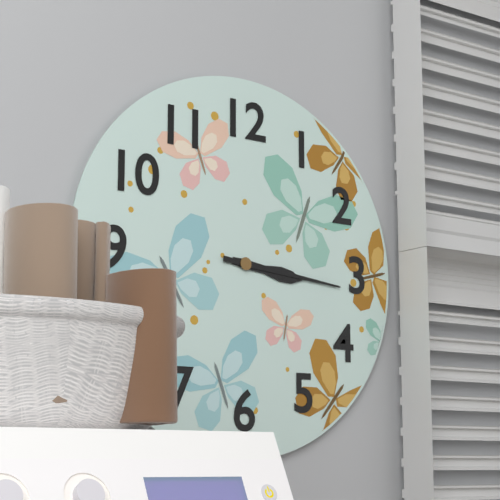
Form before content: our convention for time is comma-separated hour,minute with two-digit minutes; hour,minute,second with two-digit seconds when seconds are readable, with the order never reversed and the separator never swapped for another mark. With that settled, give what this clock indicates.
3,16
